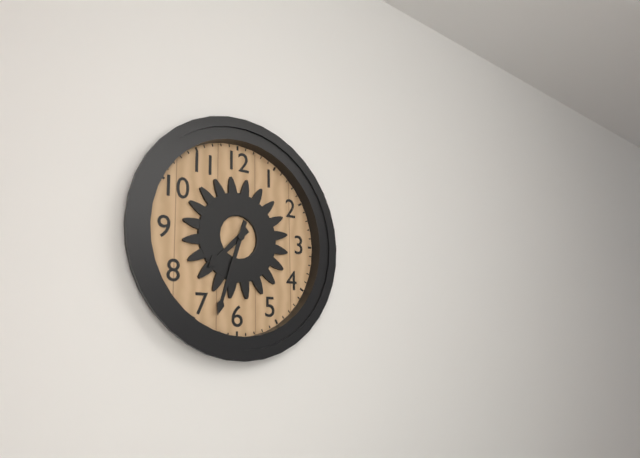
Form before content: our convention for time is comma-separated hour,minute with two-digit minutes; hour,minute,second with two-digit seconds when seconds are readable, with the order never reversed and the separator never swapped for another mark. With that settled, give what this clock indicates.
7,33
